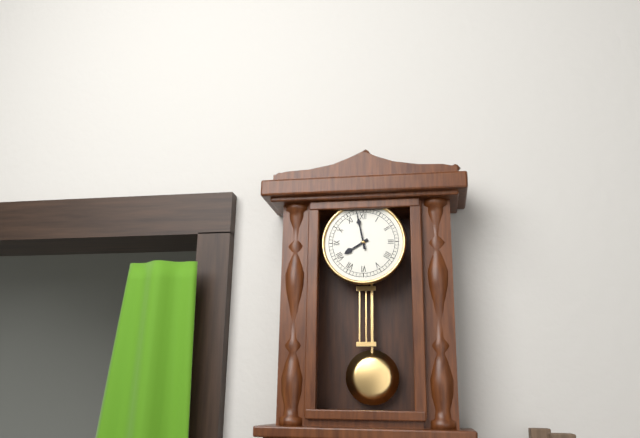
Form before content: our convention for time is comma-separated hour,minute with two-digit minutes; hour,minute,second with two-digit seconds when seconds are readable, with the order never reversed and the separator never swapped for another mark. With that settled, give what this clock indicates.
7,58
